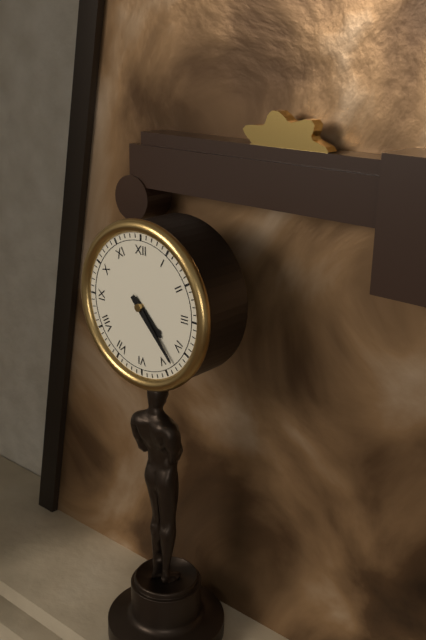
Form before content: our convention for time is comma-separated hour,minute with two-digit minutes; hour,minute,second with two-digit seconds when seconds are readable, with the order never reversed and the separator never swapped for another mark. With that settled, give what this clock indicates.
4,23
